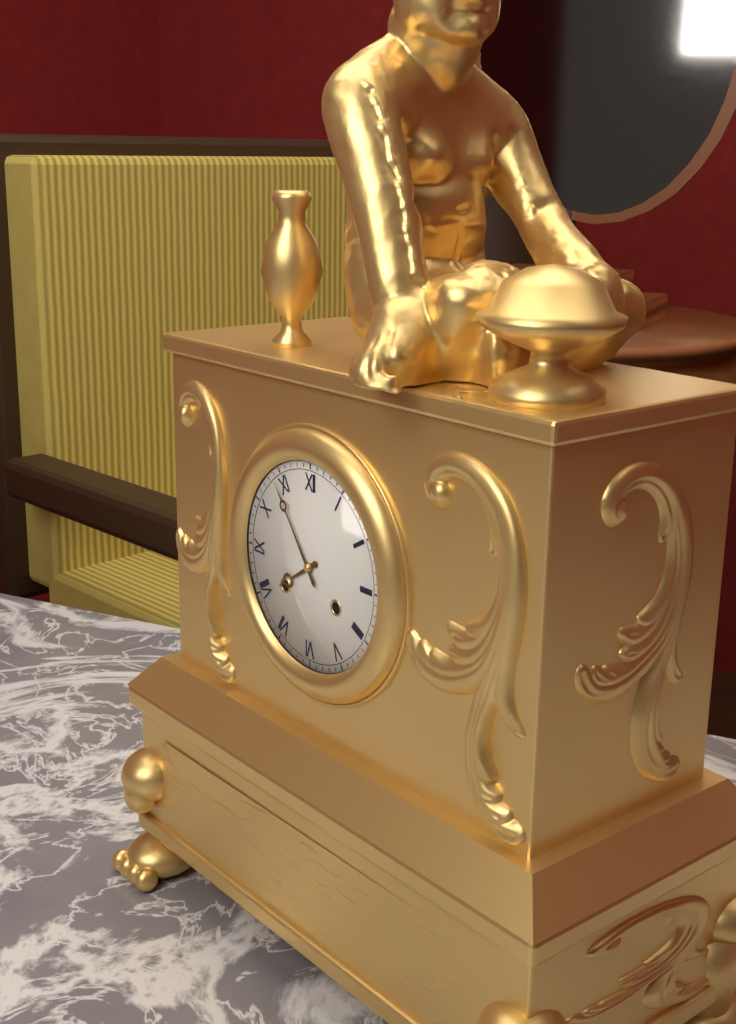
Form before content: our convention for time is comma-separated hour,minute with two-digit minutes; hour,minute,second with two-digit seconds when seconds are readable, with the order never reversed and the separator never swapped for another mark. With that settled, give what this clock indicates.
7,54
